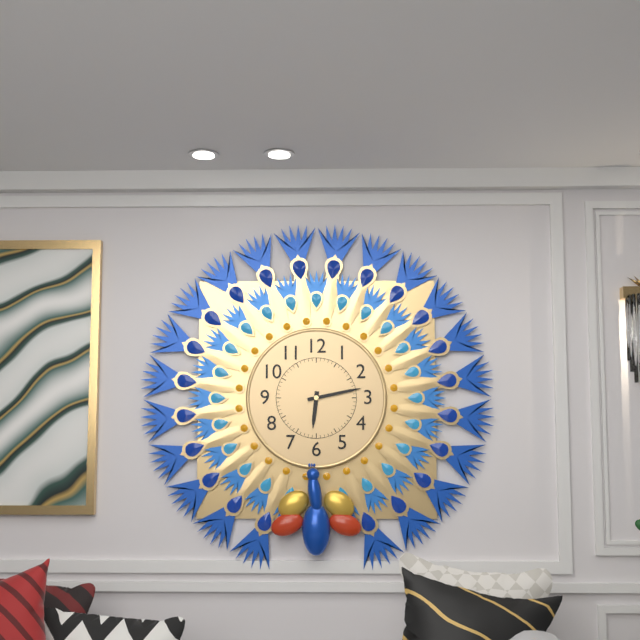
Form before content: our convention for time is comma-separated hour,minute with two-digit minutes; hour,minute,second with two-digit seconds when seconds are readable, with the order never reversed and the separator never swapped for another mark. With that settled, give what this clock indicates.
6,13
